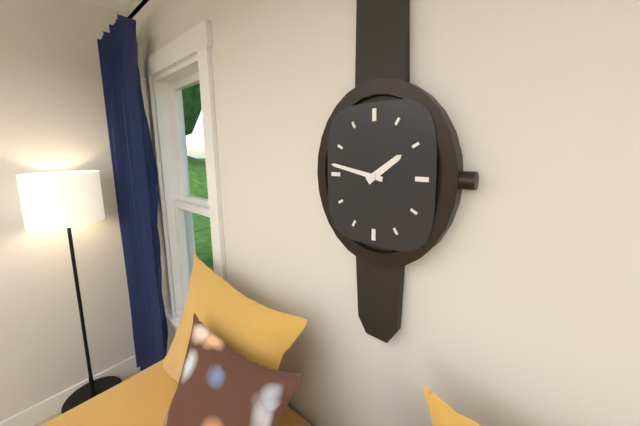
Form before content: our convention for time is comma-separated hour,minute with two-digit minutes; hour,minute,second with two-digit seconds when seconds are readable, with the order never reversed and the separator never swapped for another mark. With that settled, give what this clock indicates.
1,47
